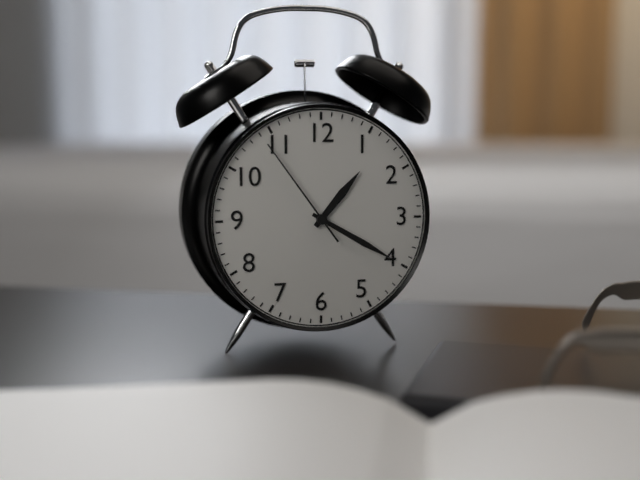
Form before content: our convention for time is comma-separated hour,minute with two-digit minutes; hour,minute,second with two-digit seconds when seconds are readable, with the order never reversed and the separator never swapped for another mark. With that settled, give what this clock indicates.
1,20,54
